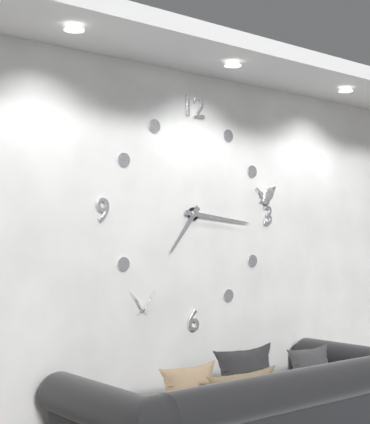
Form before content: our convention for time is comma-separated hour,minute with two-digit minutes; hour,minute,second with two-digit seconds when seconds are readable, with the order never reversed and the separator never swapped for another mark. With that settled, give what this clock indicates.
7,16
